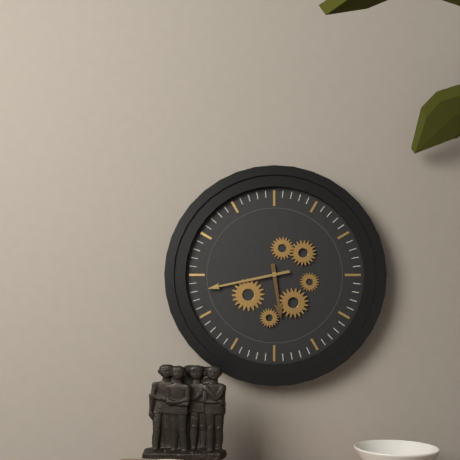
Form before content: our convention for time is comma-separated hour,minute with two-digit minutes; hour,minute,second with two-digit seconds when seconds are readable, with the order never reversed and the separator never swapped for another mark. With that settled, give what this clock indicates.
5,43
